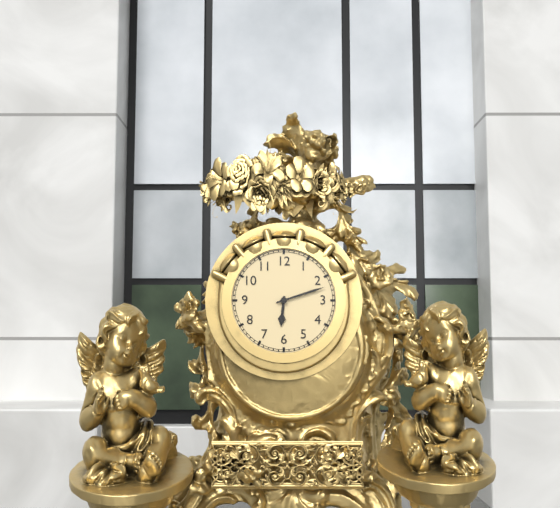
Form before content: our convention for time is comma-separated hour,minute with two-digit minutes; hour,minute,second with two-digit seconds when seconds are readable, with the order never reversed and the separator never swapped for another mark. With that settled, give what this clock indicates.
6,12
